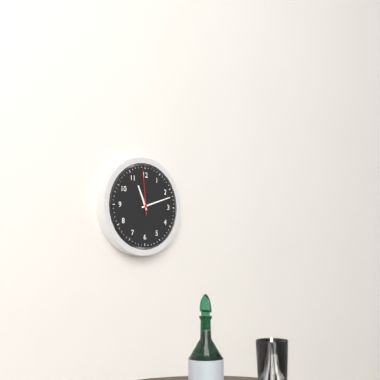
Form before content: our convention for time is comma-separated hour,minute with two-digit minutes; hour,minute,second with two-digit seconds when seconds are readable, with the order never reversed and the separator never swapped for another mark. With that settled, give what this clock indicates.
11,12
